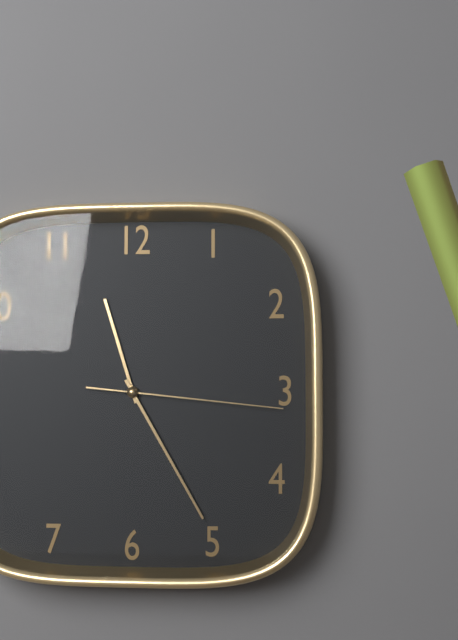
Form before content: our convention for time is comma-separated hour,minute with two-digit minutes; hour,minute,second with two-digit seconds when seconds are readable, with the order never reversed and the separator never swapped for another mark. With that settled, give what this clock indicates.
11,25,16
